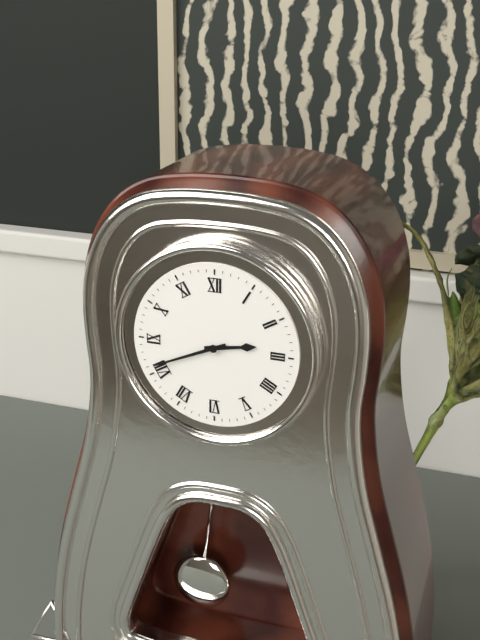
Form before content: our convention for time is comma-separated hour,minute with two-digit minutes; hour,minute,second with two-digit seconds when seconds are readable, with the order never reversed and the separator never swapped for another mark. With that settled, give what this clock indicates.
2,41
